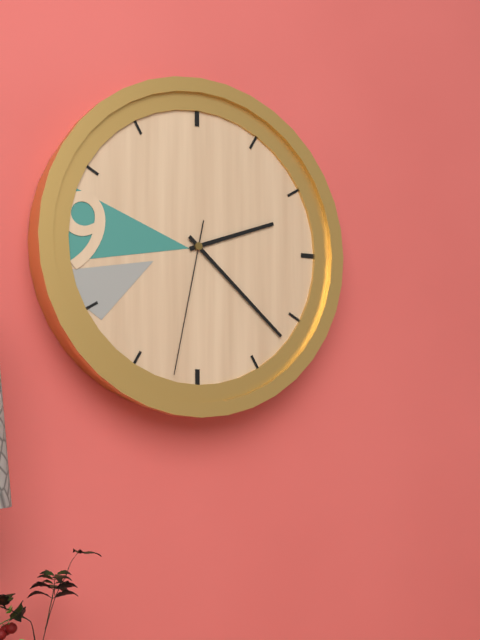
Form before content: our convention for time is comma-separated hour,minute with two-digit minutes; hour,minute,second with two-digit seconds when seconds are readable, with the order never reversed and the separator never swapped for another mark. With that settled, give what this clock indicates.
2,22,32
